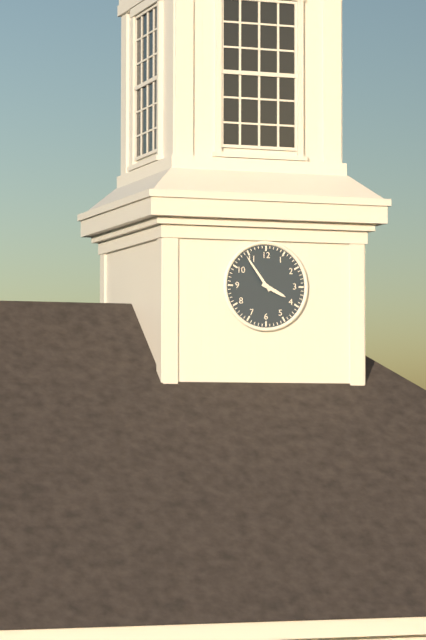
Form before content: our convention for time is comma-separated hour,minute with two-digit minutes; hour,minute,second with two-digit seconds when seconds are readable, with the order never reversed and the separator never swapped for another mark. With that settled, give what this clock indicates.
3,54
